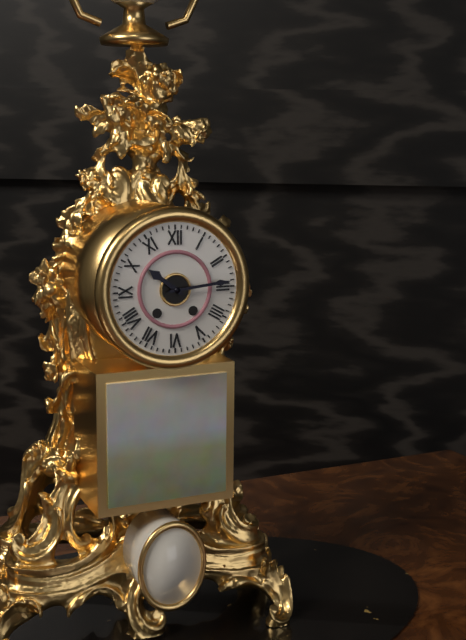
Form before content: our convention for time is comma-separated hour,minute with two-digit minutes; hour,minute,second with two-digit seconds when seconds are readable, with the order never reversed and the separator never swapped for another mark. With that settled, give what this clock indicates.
10,14
